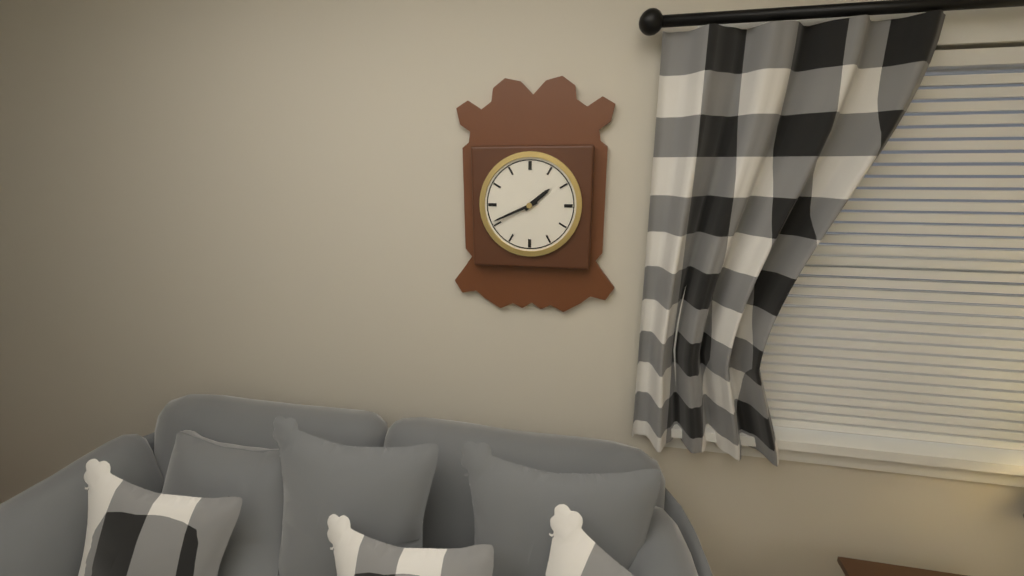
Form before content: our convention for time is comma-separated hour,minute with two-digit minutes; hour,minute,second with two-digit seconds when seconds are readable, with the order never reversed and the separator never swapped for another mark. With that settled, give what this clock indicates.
1,41
